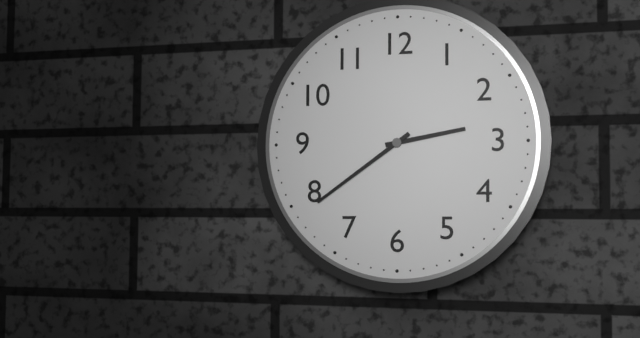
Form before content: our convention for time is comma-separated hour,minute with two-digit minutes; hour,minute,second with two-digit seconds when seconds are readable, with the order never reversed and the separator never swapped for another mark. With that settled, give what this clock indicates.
2,39
